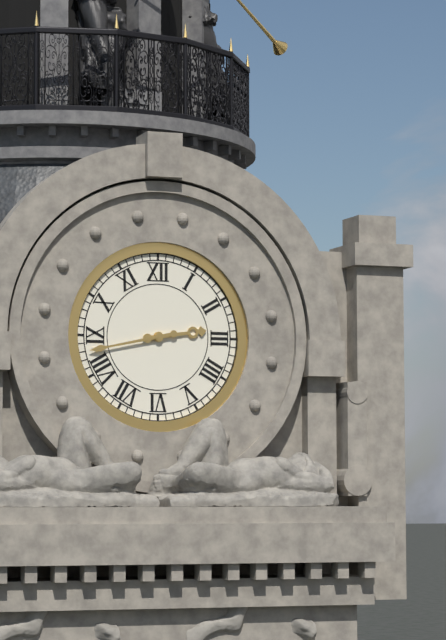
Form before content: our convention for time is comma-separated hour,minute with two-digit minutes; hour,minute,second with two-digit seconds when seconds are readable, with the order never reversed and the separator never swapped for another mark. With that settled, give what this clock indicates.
2,43
